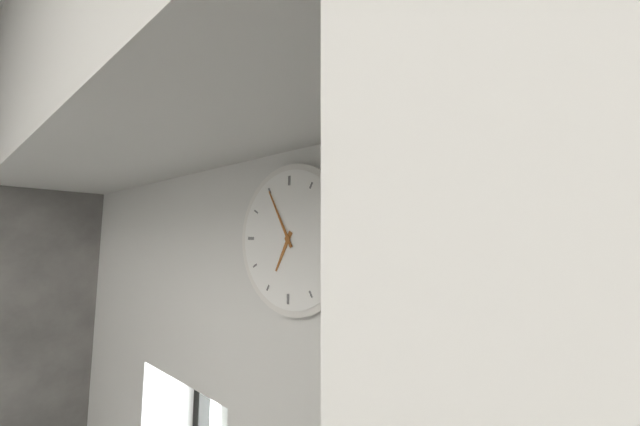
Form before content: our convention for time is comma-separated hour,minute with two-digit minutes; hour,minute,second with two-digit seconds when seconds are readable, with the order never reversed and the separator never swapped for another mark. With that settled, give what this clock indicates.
6,55
